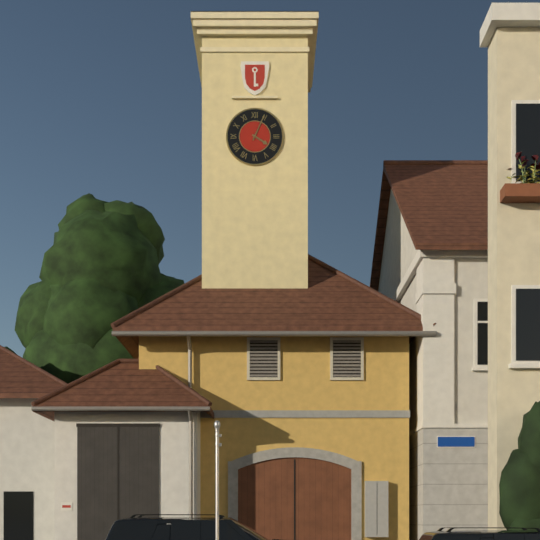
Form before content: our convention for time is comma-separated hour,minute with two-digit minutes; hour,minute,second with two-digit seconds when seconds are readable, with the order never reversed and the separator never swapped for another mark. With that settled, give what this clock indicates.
4,04
